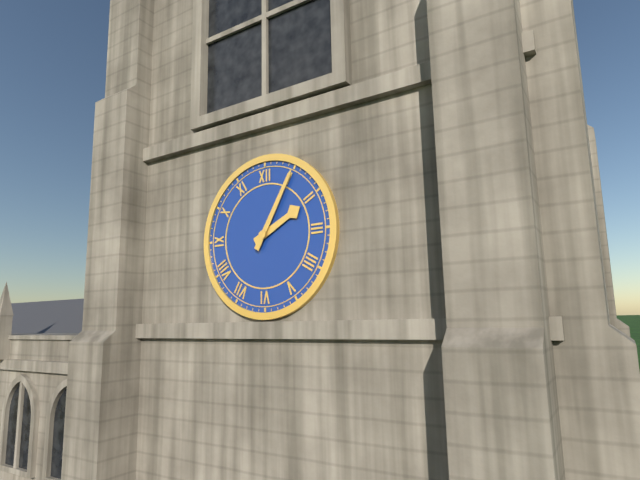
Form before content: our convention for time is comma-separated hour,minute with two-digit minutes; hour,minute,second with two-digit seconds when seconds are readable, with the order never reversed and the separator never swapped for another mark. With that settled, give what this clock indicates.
2,05
